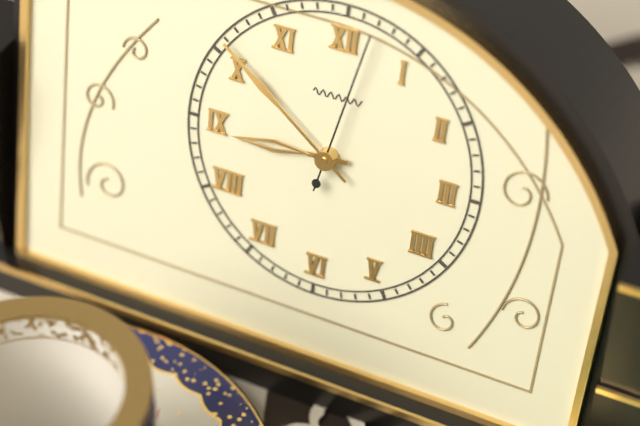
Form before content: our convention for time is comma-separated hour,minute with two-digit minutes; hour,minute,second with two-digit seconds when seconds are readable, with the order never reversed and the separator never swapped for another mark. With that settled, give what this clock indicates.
8,51,02
